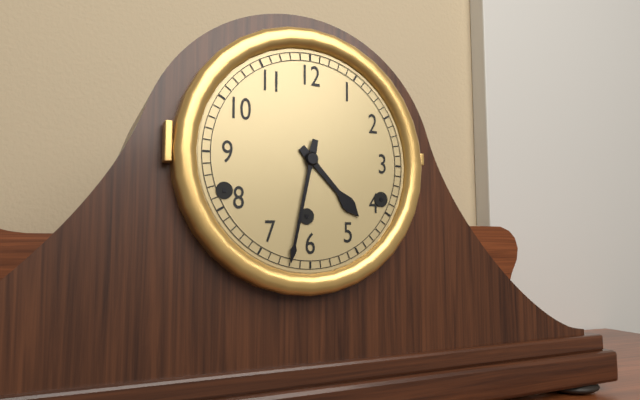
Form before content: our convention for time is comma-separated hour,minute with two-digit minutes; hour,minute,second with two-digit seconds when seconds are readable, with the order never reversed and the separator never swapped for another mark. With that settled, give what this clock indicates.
4,32
